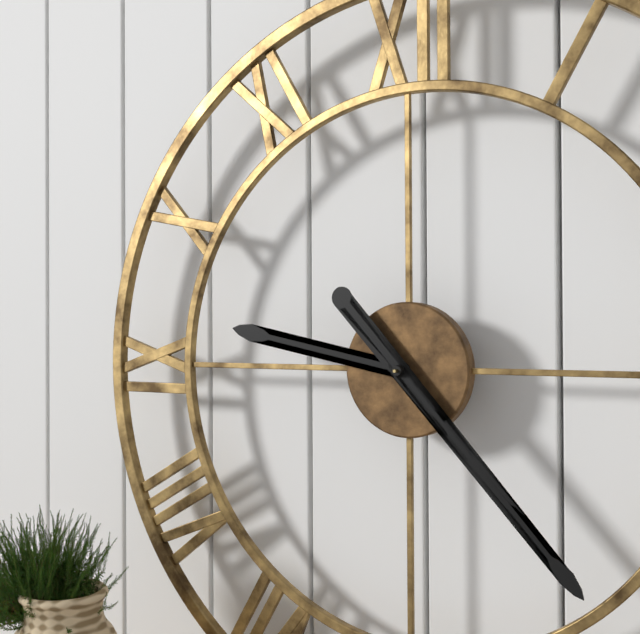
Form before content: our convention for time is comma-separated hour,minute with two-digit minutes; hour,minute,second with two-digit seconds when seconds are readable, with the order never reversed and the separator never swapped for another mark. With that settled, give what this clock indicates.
9,23
